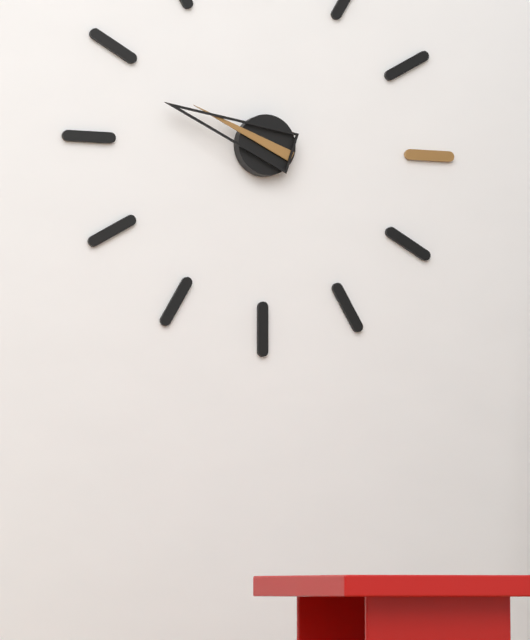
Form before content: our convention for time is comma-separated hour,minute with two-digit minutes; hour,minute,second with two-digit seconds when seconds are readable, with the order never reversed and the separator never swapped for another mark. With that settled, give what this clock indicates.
9,48
